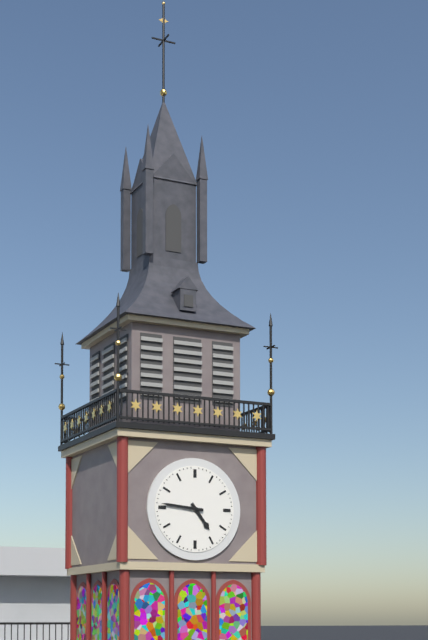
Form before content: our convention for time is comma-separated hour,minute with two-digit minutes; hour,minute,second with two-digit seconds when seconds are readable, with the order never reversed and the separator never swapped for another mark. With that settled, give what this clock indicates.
4,46
